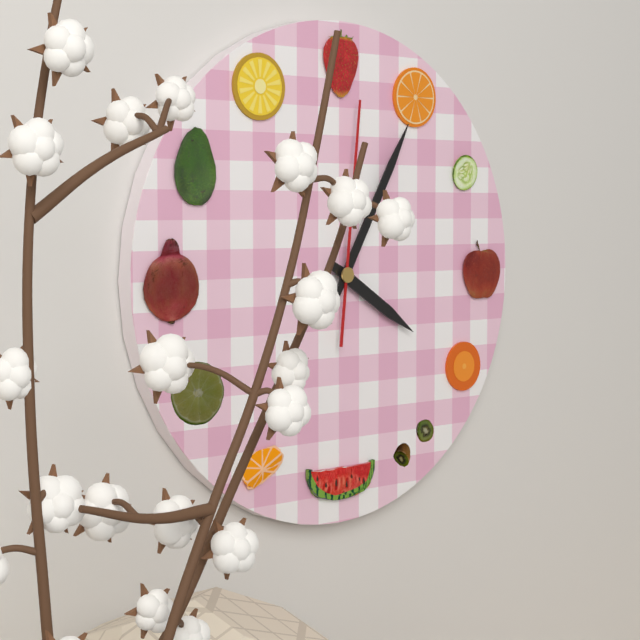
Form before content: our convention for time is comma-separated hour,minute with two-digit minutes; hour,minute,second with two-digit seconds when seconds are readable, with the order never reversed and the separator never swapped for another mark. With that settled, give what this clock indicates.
4,05,01
